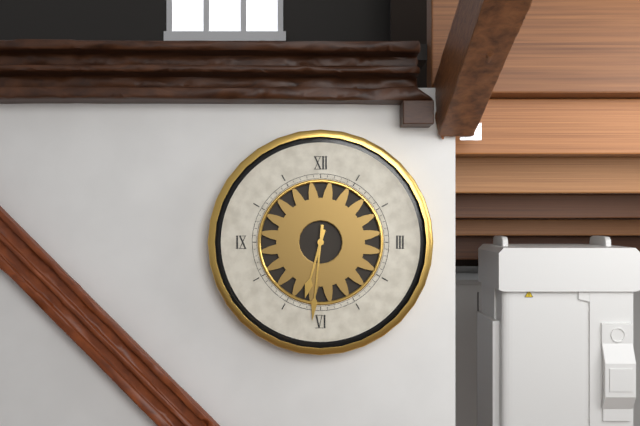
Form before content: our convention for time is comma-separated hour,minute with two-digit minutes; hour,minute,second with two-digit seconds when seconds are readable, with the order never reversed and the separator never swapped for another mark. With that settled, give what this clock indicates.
6,31
